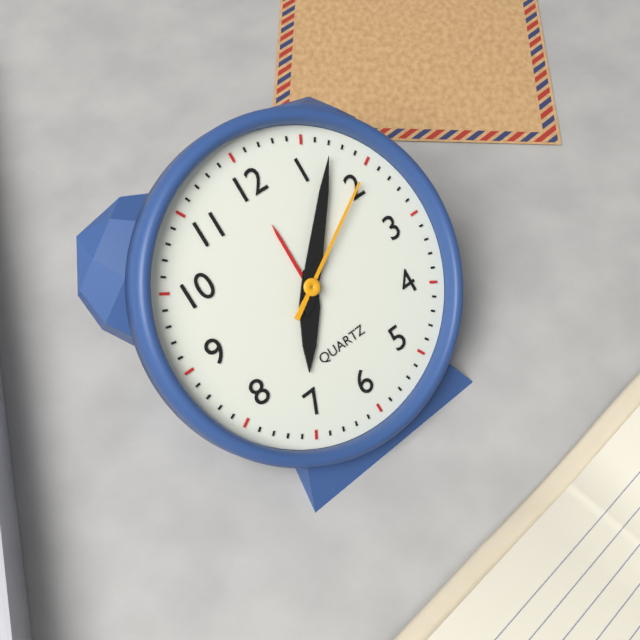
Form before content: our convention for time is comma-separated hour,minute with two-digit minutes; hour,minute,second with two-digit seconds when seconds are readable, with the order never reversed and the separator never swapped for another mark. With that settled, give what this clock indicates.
7,07,10
